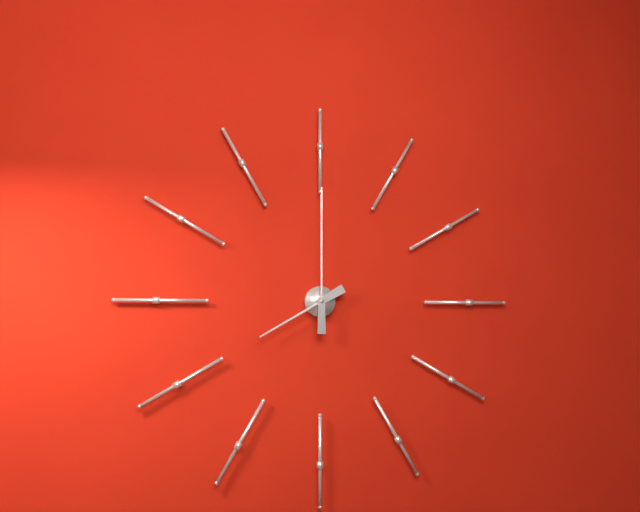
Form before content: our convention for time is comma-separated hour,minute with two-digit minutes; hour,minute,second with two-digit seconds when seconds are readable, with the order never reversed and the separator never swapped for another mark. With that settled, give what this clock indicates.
8,00
